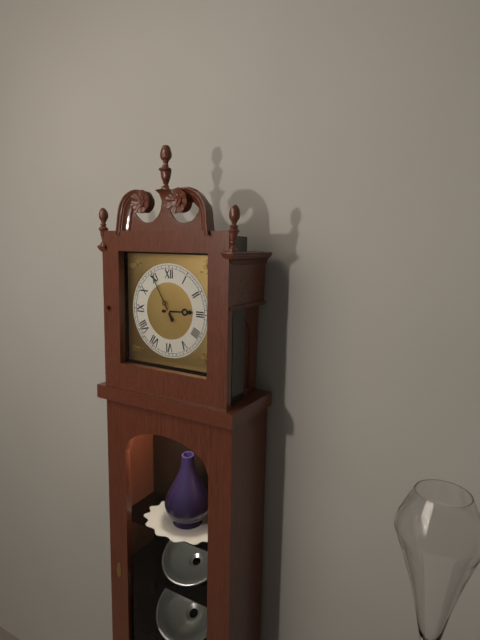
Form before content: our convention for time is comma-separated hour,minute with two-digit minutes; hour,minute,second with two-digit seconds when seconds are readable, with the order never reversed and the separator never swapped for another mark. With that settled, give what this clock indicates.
2,55
